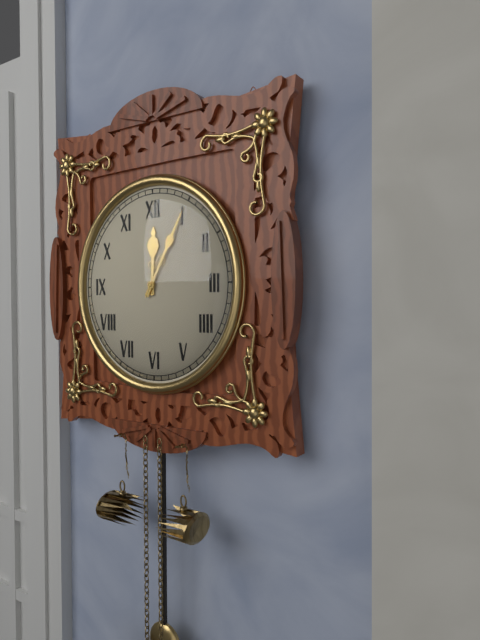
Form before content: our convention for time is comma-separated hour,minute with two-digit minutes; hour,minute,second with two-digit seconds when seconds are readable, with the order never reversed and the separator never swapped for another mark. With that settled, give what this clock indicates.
12,05
